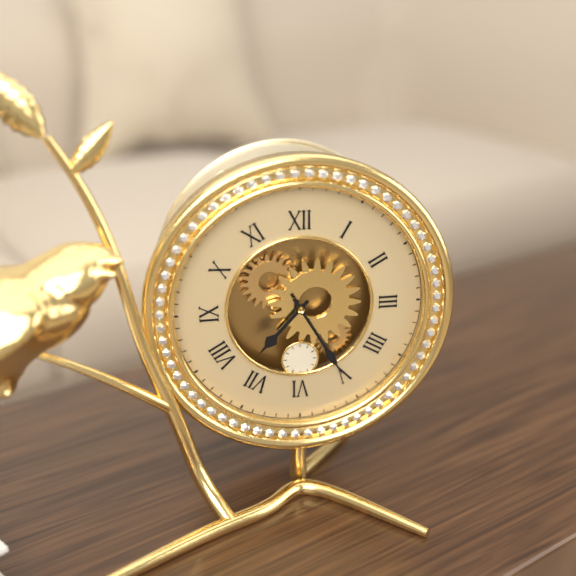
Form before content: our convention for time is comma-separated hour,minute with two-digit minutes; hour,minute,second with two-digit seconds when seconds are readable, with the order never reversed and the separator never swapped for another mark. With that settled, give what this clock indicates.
7,25
